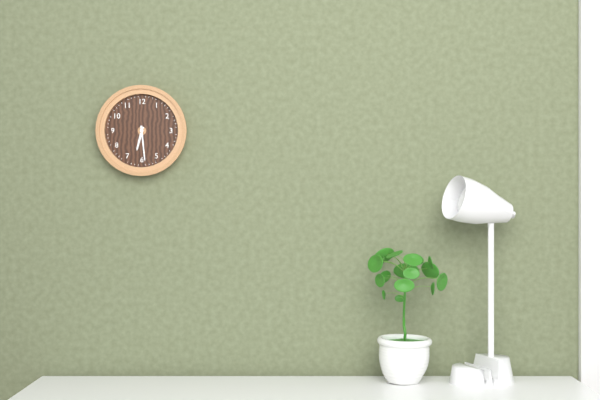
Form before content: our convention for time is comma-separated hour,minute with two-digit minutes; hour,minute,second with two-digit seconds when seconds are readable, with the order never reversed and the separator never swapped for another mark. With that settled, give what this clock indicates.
6,29
